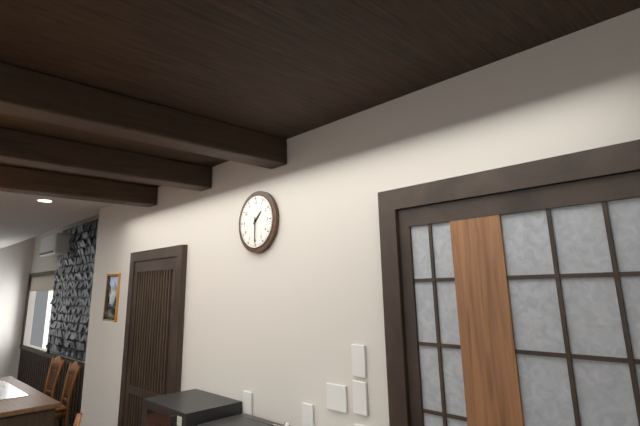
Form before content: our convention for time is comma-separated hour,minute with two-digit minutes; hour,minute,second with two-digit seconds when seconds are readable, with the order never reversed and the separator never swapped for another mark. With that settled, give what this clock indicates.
1,30
